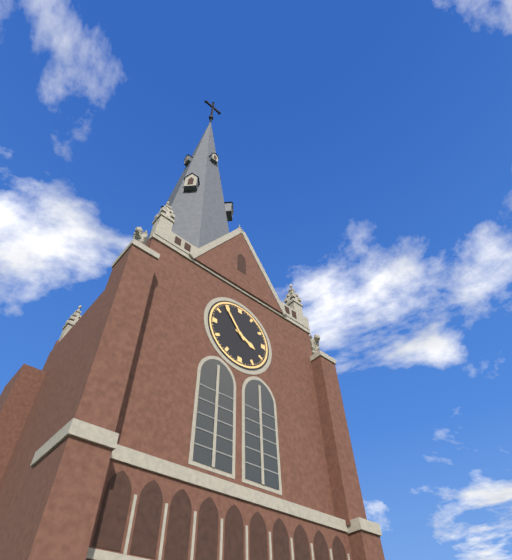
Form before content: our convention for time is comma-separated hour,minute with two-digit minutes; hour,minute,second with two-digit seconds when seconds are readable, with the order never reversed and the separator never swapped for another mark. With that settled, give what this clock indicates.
3,54
